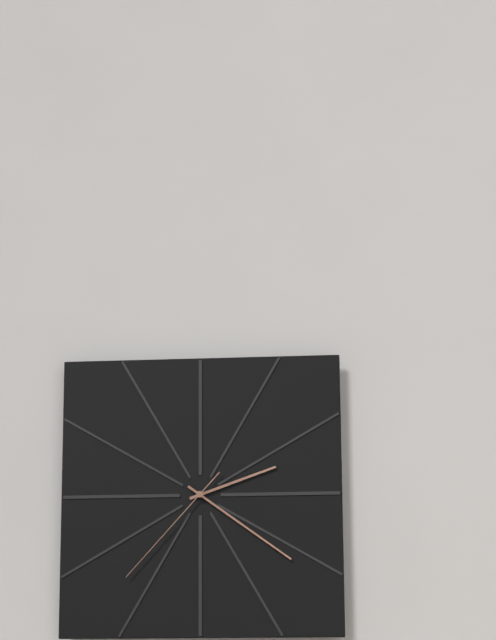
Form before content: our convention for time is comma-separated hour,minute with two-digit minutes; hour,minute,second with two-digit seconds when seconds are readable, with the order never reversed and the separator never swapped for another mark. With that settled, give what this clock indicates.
2,21,37
